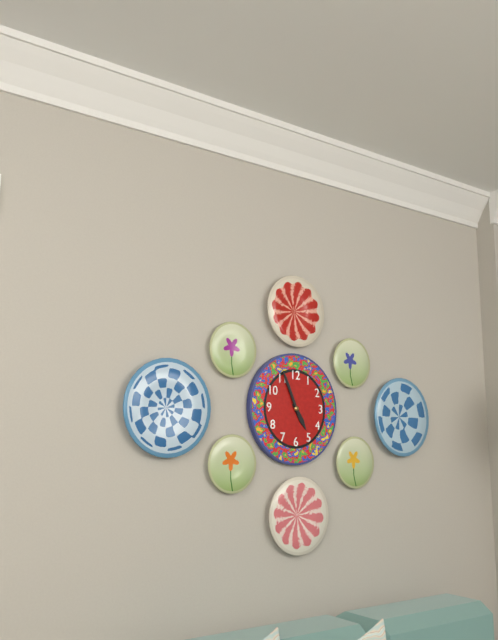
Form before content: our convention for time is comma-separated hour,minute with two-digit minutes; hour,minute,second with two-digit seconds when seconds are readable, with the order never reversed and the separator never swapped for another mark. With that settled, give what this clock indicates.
4,56
